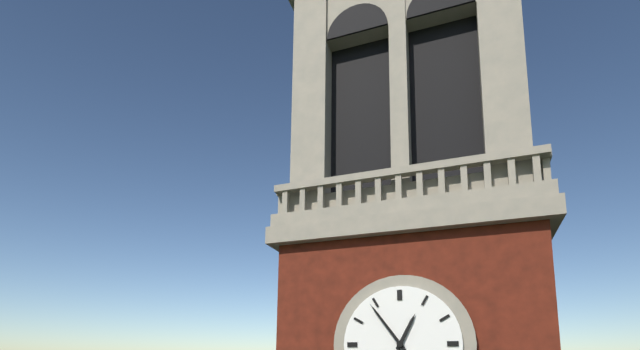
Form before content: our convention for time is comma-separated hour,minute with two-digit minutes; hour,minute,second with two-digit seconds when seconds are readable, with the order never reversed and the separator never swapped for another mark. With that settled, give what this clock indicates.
12,54
